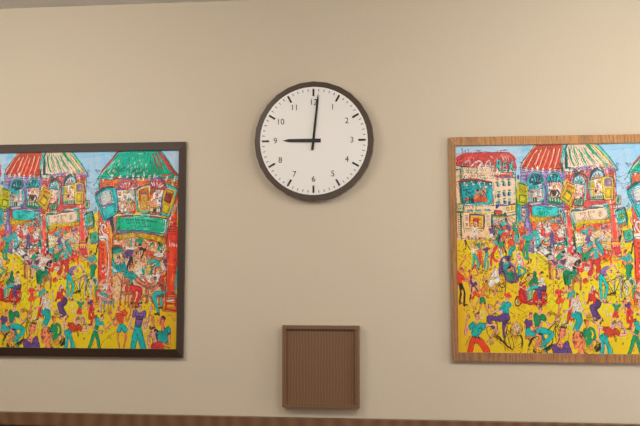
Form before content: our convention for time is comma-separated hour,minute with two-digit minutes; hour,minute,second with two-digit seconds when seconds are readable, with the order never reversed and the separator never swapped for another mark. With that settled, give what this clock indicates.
9,01
